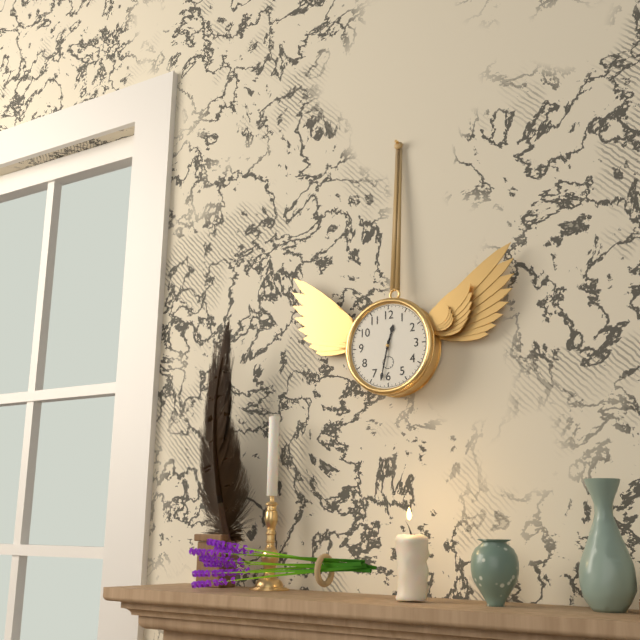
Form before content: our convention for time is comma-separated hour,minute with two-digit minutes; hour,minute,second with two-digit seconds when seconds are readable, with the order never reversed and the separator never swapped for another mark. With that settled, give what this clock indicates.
12,32
